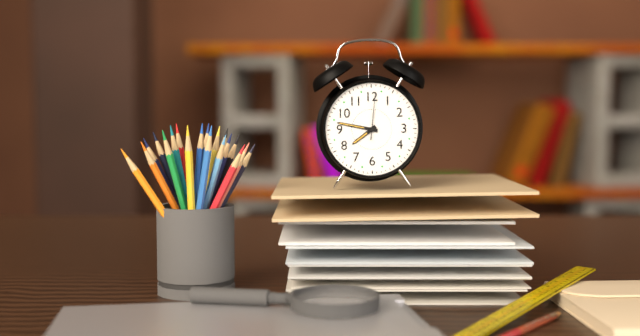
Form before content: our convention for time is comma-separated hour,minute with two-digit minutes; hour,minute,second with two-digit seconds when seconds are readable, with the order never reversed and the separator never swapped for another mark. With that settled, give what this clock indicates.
7,47
